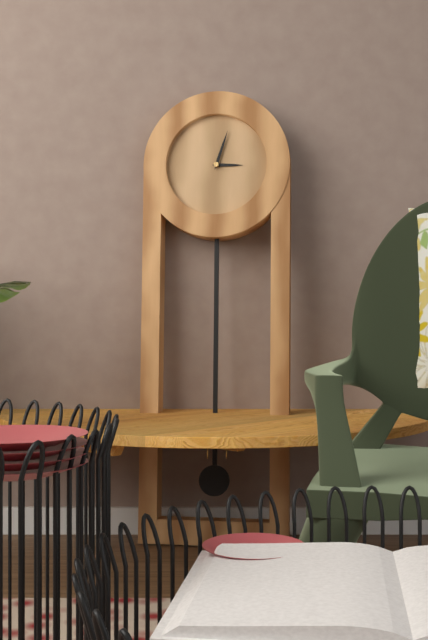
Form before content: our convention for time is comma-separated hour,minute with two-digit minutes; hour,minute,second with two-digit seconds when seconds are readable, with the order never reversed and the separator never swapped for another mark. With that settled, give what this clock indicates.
3,03
